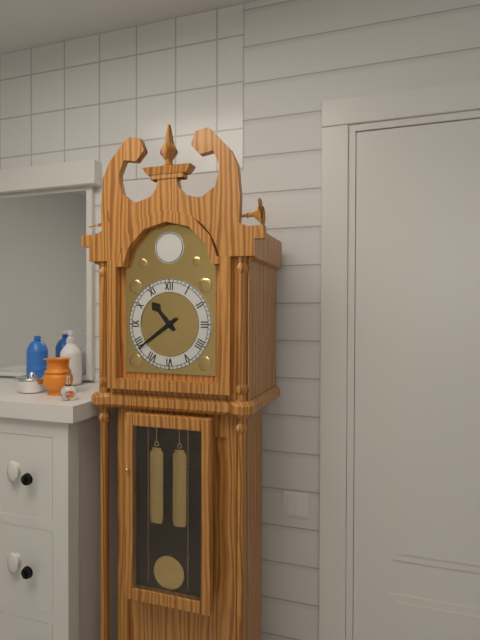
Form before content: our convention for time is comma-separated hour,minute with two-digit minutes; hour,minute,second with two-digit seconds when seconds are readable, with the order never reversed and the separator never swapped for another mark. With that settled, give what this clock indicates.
10,39
